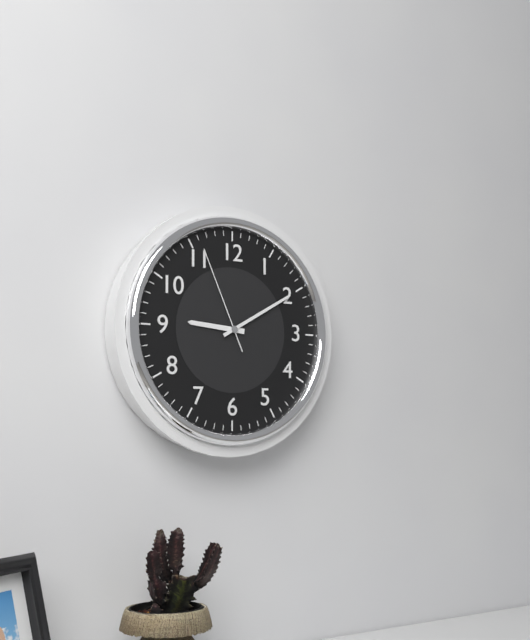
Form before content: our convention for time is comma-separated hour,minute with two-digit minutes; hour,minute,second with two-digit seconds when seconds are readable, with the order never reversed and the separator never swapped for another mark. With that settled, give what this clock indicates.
9,10,56
